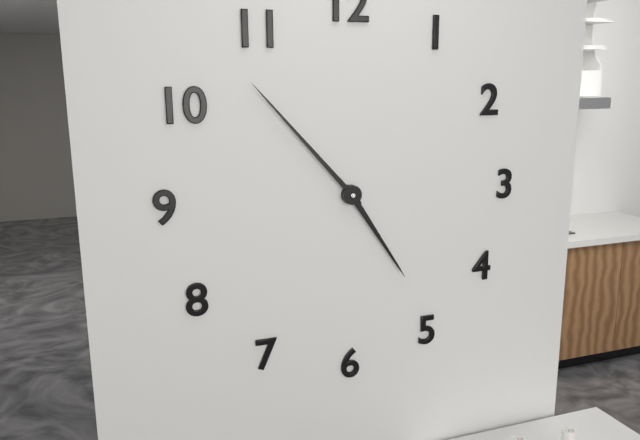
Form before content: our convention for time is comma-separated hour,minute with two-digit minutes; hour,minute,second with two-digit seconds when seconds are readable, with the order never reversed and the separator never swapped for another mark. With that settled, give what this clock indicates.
4,53
